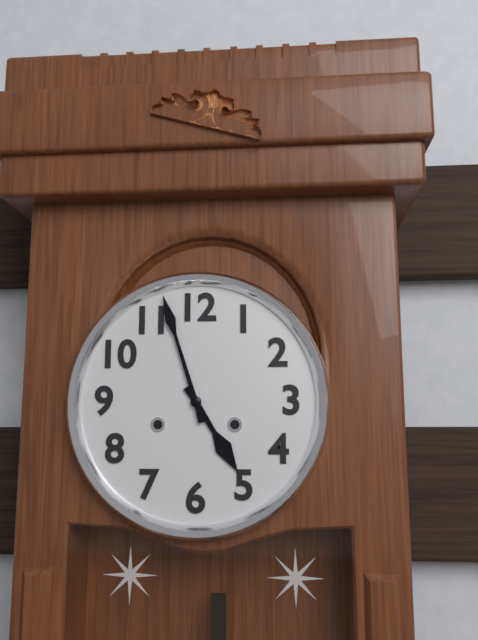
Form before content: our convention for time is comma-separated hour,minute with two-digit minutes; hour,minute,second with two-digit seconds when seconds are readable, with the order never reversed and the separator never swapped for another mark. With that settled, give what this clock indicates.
4,57
